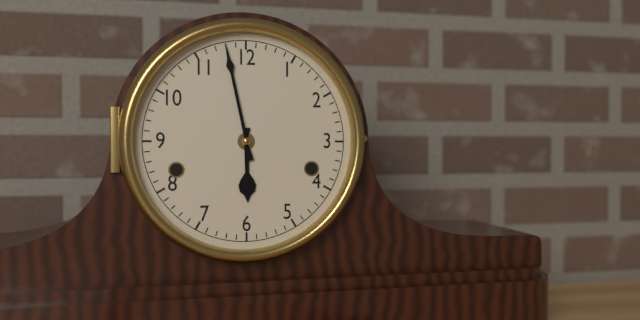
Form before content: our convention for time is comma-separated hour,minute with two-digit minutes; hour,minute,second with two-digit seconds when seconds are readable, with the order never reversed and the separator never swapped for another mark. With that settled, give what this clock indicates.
5,58
